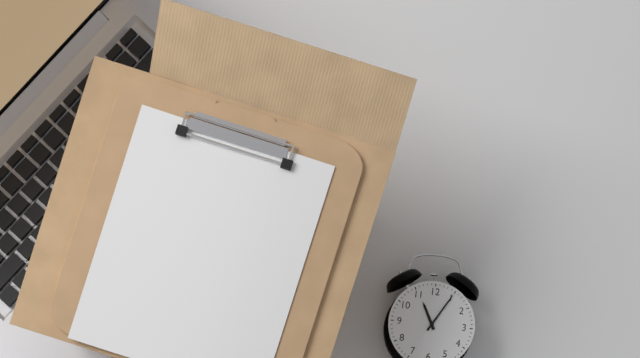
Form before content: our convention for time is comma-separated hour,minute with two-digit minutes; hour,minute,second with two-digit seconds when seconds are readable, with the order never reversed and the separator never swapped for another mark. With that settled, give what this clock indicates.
11,05
